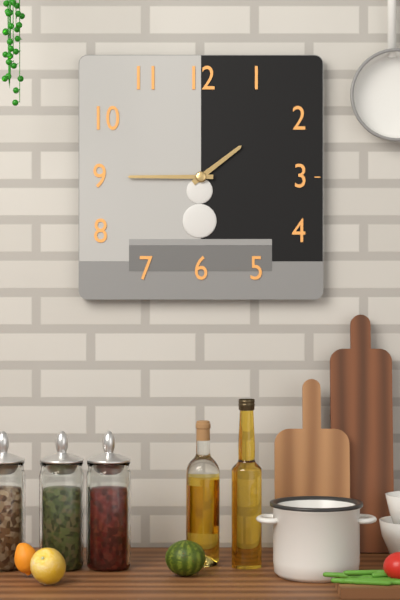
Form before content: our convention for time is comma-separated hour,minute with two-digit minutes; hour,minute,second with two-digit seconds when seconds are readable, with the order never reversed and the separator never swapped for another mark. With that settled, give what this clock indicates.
1,45
